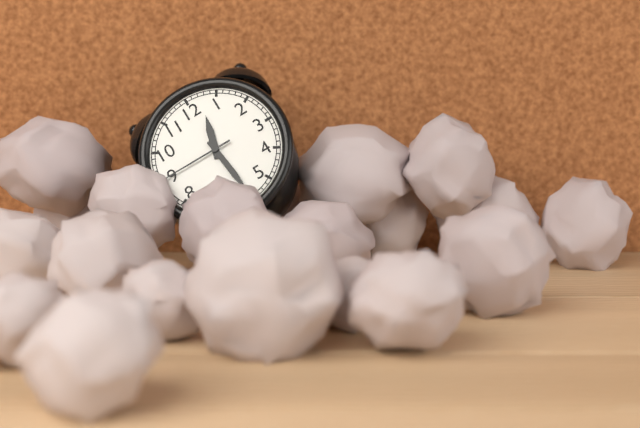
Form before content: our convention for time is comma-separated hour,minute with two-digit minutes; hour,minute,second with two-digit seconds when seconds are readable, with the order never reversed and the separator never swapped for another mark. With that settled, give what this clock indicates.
12,29,45
